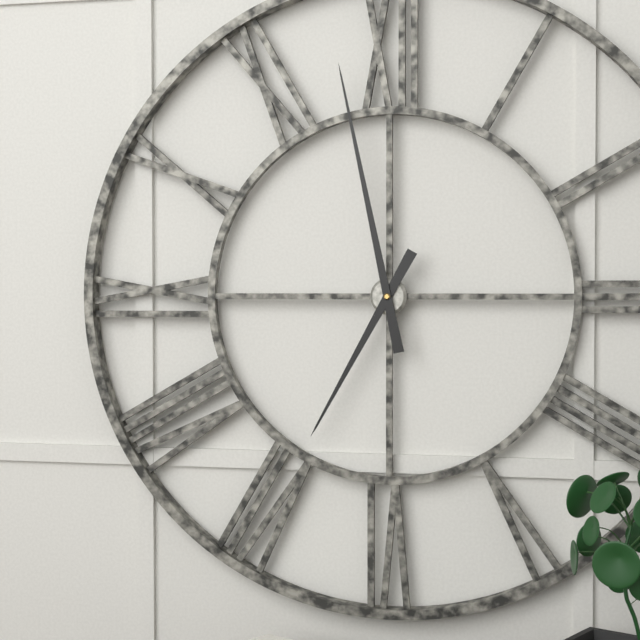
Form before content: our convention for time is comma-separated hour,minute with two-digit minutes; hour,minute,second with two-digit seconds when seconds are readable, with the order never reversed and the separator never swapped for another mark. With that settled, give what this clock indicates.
6,58
